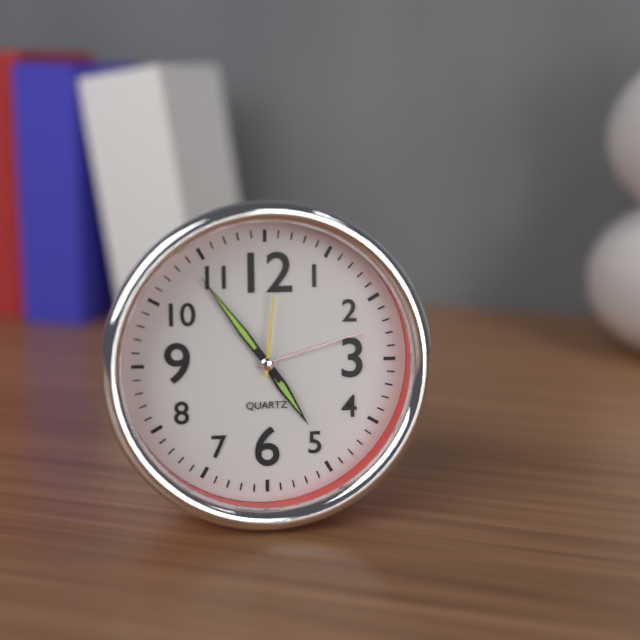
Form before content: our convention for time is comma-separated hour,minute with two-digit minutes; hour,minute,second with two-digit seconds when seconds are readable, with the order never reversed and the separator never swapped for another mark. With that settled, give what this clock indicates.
4,54,01
